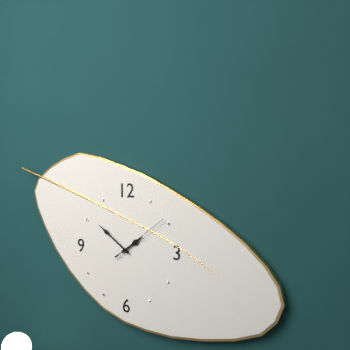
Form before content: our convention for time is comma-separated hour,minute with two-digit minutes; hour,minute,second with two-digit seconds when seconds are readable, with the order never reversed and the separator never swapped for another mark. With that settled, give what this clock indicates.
1,51,09
